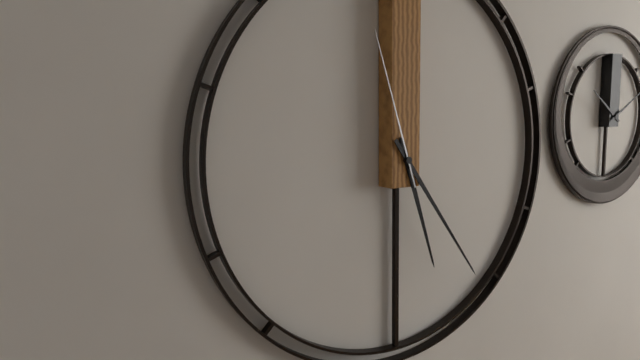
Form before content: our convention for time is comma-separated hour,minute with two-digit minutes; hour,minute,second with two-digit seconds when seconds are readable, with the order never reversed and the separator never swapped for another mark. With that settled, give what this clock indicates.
5,24,57
